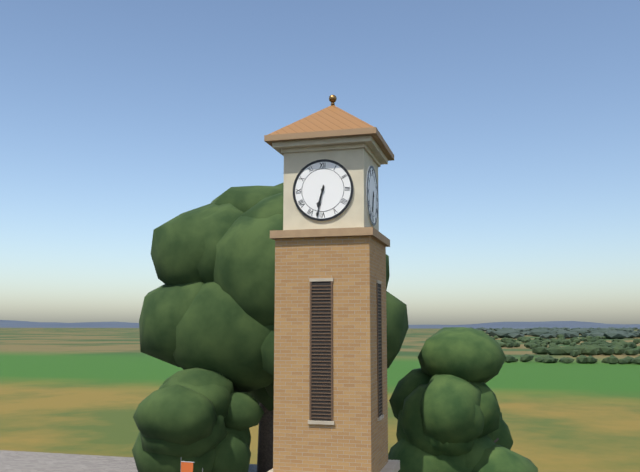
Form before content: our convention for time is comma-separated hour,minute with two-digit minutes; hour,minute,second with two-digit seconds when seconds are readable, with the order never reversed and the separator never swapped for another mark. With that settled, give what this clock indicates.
6,32
